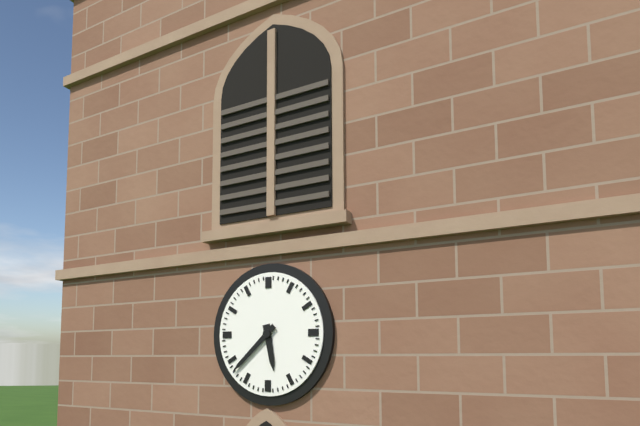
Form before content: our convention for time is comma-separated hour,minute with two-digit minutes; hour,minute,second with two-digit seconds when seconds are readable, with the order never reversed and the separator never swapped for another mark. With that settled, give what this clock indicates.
5,38
